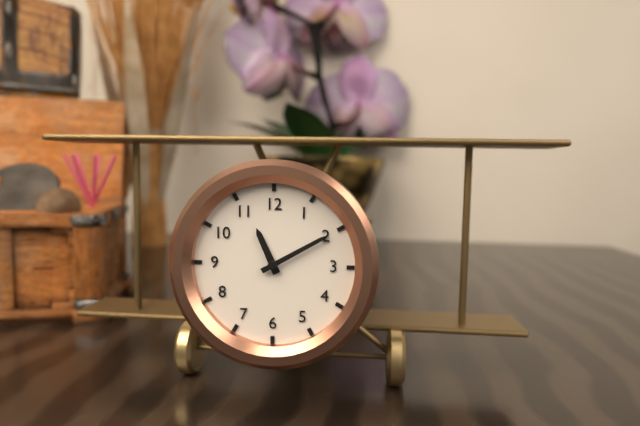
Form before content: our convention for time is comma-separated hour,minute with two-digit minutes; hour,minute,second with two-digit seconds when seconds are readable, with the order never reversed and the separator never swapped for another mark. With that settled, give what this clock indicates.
11,10
